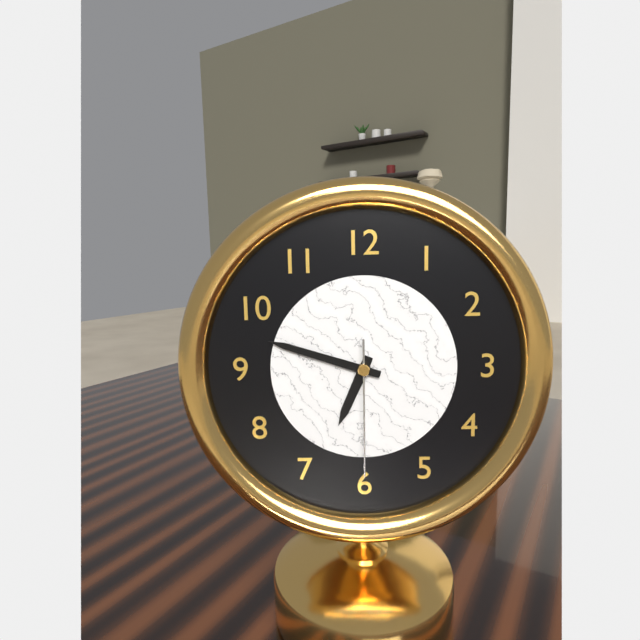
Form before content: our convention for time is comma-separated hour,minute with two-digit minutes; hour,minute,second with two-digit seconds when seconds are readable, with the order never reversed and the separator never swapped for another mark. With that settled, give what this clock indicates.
6,48,30
